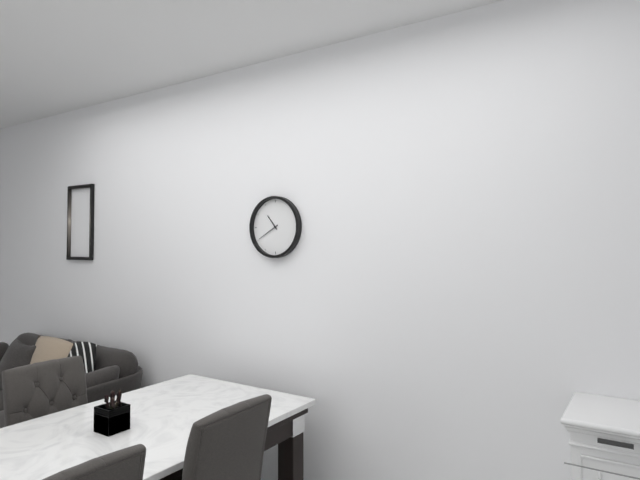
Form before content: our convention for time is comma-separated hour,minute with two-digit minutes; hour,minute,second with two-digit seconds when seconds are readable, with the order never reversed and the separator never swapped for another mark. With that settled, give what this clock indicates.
10,40
